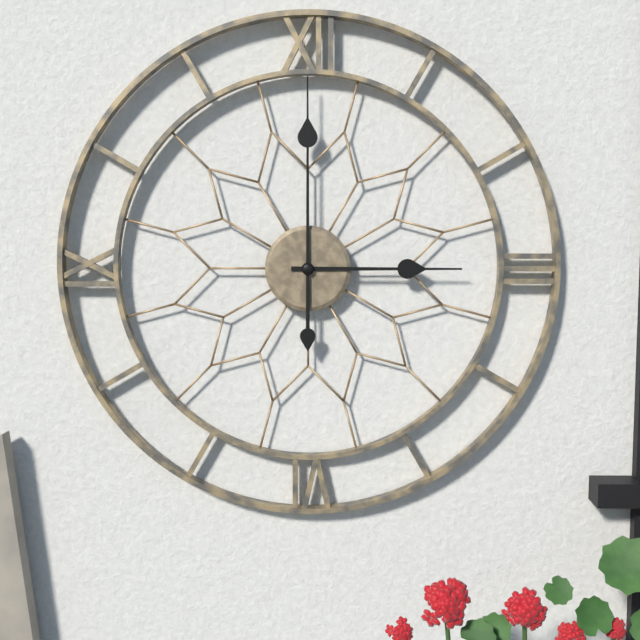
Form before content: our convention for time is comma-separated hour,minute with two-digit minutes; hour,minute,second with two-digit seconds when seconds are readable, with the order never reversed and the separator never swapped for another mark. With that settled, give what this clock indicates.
3,00
